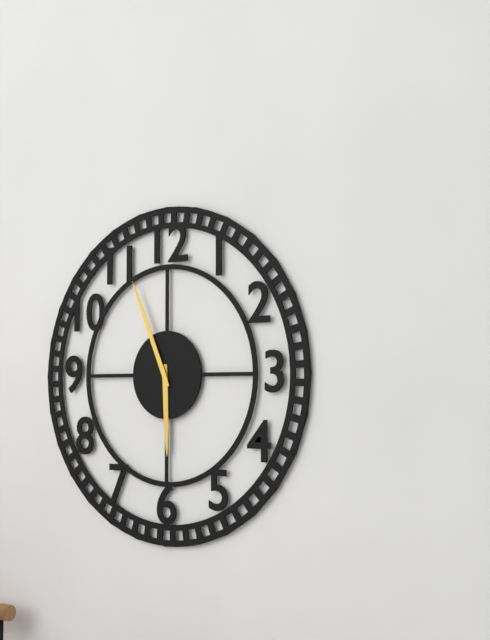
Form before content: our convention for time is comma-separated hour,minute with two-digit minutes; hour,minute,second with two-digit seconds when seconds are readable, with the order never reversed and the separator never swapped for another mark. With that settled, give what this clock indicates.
5,56
